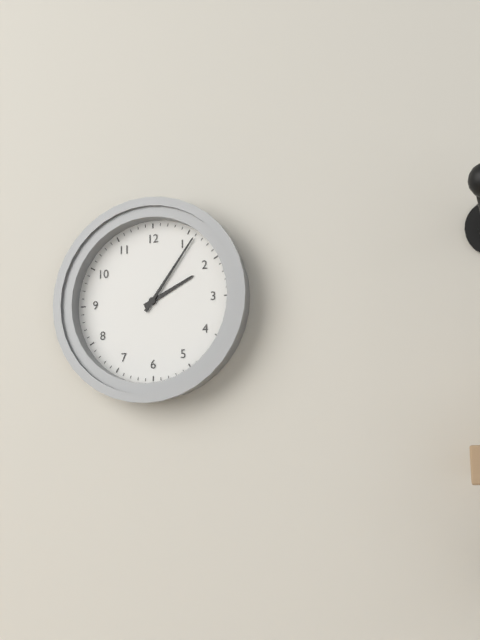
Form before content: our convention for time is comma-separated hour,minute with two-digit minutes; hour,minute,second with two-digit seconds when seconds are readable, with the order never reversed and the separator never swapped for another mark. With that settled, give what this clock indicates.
2,06
